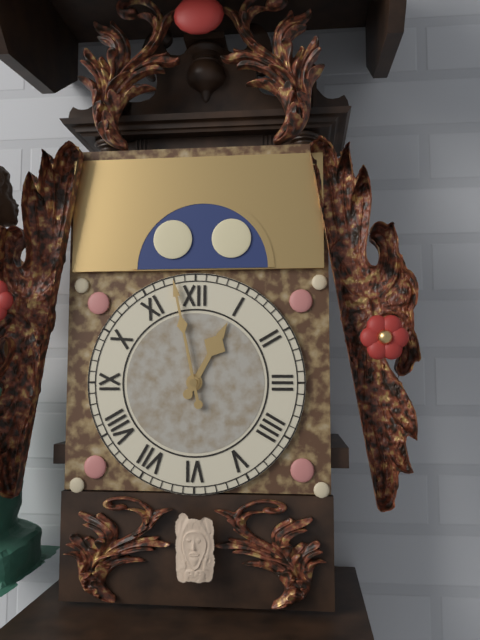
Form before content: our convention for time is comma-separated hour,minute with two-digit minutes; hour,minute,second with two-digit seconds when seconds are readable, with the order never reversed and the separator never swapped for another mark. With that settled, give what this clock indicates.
12,58
